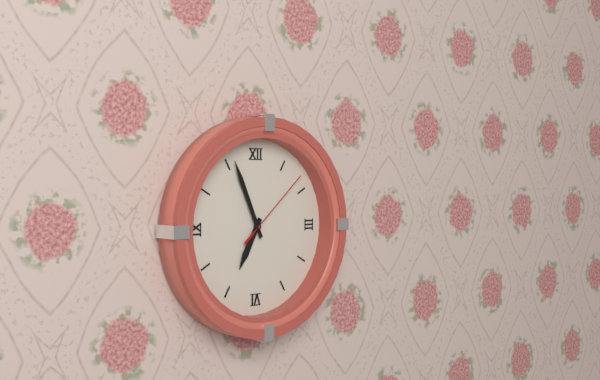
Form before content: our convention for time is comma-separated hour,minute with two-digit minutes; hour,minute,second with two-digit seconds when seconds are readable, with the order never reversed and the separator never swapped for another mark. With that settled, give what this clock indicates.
6,56,08
